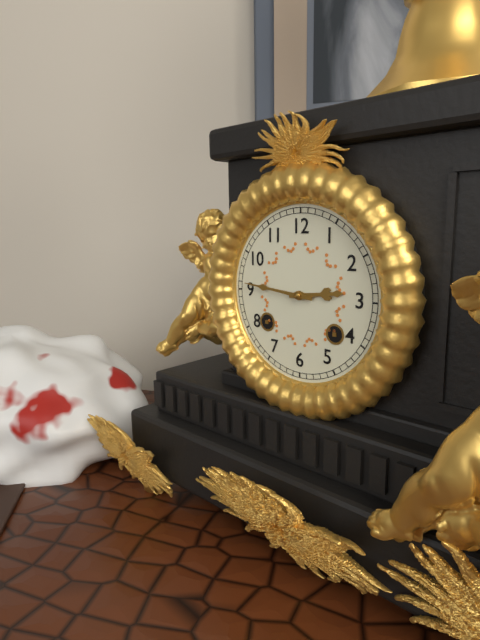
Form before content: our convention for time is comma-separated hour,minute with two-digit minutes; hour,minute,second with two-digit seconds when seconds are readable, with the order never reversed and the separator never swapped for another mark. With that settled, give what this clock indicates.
2,46
